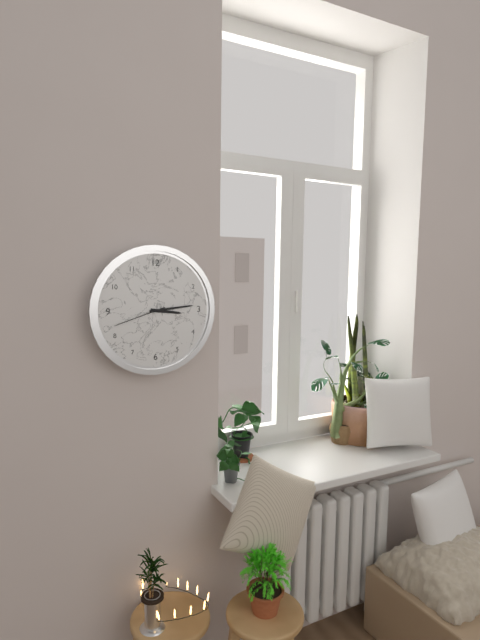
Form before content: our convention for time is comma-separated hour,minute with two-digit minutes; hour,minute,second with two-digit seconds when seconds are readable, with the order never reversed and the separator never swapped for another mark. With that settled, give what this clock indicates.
3,14,42
